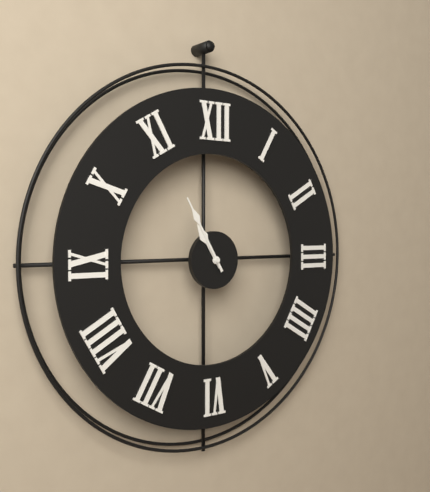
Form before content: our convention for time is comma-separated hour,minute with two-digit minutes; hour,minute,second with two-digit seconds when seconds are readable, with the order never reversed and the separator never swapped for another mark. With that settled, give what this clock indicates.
10,55
